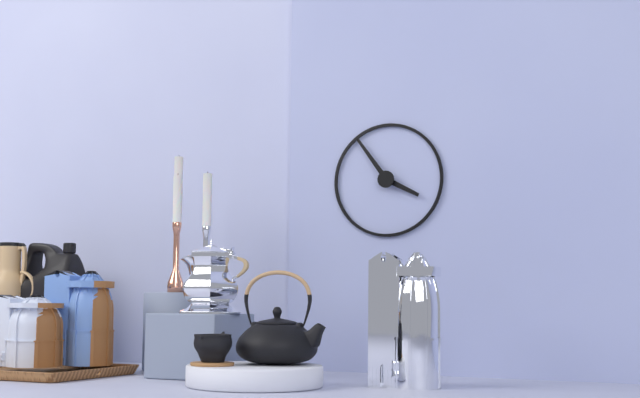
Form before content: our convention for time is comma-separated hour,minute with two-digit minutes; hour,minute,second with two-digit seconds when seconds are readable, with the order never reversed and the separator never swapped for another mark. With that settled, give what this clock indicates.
3,54
